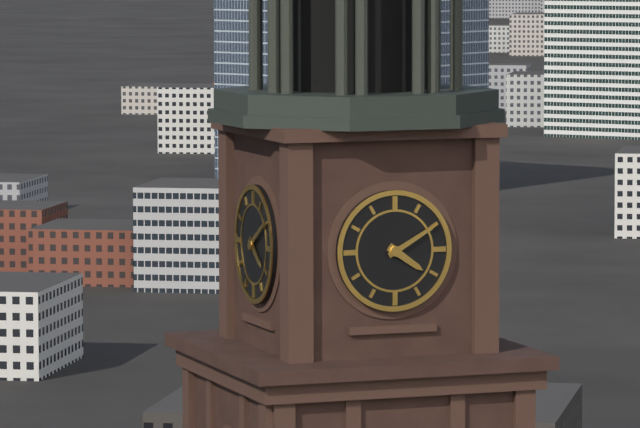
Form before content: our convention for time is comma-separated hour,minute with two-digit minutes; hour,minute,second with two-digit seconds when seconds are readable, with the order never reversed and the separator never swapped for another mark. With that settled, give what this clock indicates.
4,10
